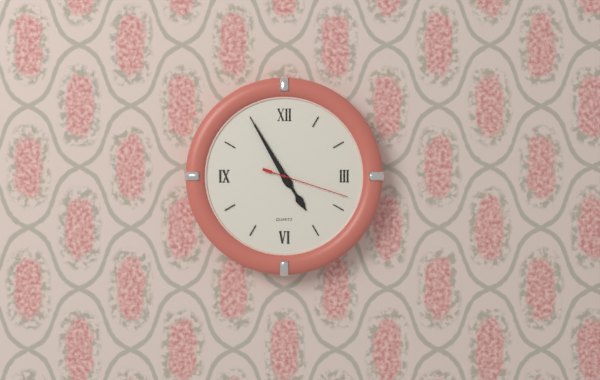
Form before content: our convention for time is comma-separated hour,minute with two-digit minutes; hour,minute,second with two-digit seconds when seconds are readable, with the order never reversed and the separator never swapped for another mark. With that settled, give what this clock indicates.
4,55,18
